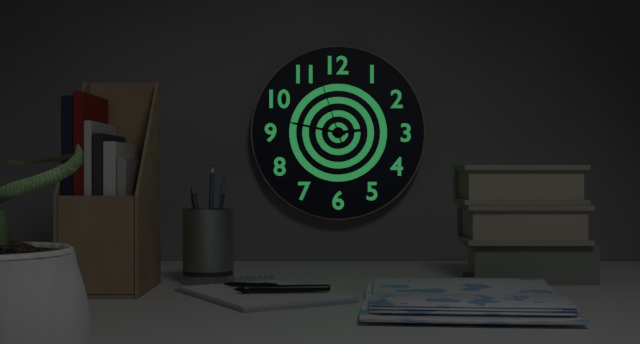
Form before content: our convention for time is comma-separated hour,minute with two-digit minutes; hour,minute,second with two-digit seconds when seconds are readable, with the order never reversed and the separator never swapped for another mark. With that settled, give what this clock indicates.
2,47,57
